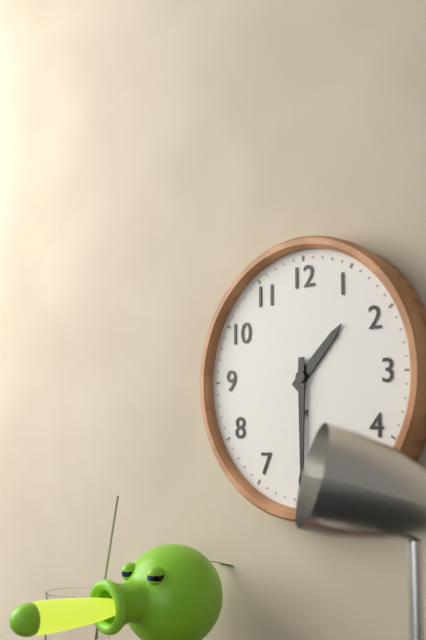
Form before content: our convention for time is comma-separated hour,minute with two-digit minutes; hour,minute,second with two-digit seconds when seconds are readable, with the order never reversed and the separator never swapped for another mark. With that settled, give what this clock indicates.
1,30
